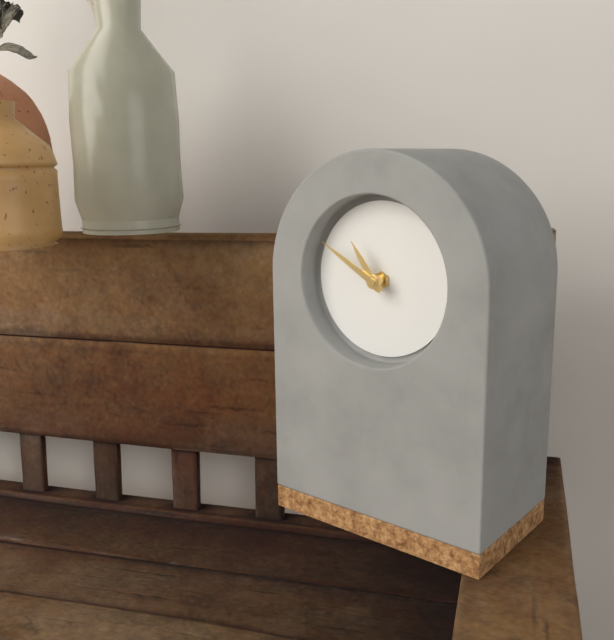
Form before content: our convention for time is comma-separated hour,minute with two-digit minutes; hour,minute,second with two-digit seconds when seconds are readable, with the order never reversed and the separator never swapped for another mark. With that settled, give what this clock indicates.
10,50
